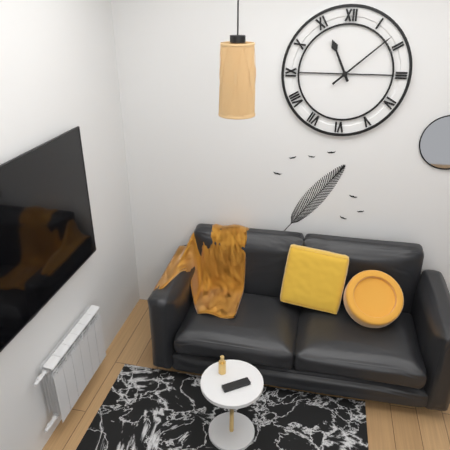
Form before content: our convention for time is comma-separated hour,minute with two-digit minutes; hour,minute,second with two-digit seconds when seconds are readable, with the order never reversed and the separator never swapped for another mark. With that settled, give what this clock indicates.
11,08
